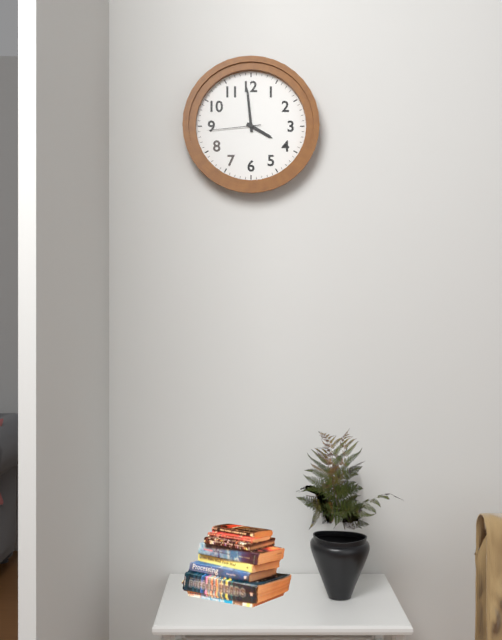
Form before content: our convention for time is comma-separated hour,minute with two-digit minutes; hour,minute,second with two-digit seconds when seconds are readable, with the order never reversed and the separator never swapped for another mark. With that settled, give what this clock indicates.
3,59,44
